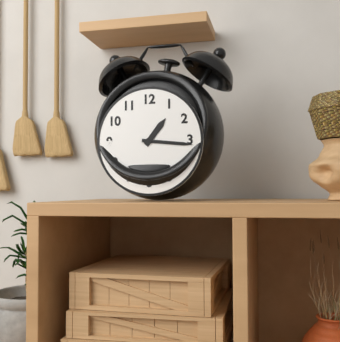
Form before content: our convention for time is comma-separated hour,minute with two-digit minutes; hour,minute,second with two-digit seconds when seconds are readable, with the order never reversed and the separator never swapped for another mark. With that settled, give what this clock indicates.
1,16
